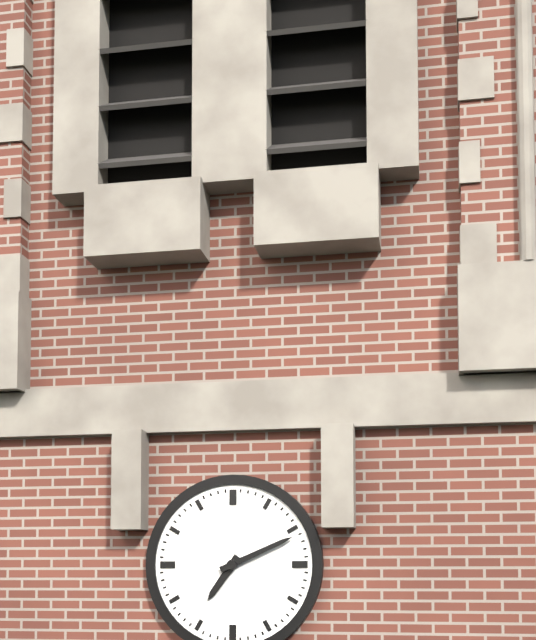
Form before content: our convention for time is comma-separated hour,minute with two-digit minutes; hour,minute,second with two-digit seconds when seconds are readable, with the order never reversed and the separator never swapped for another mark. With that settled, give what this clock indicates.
7,11
